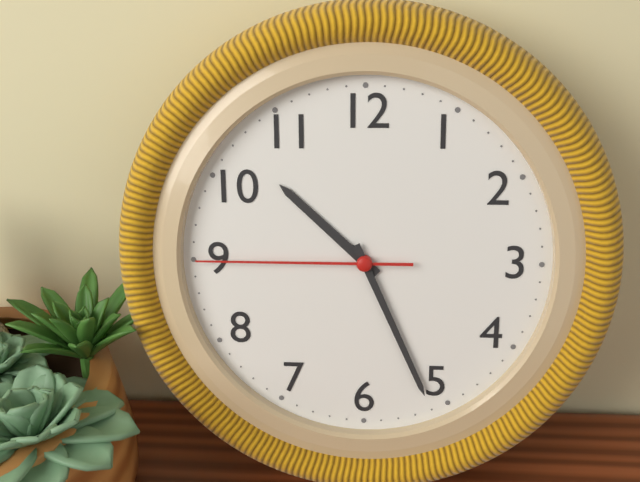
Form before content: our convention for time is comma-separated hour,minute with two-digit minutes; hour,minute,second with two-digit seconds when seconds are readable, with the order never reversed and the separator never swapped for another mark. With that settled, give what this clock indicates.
10,26,45
